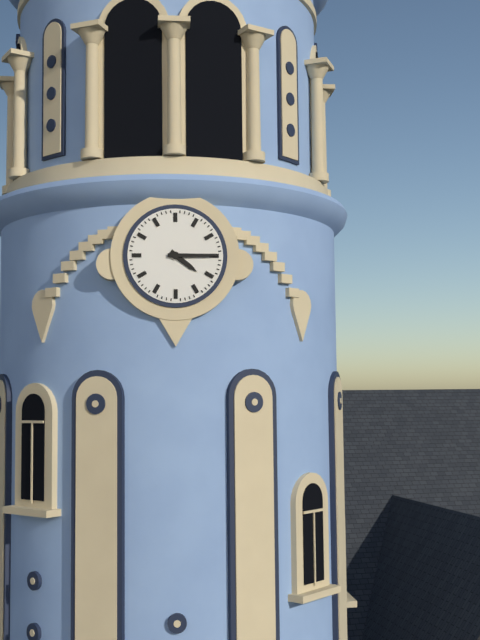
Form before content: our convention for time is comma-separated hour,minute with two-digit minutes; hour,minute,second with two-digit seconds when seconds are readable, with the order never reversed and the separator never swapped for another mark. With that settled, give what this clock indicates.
4,15
